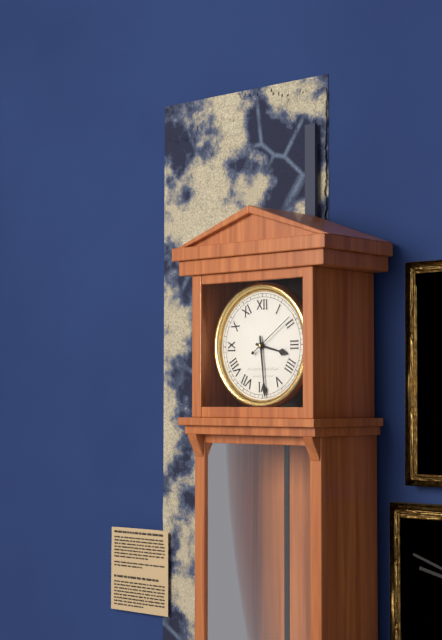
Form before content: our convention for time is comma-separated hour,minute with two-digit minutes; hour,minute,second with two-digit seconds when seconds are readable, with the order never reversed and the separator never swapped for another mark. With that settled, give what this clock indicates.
3,29
